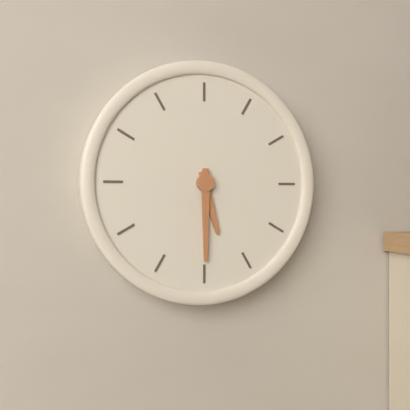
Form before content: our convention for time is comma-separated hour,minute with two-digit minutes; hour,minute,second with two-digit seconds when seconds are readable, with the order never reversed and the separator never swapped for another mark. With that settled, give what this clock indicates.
5,30
